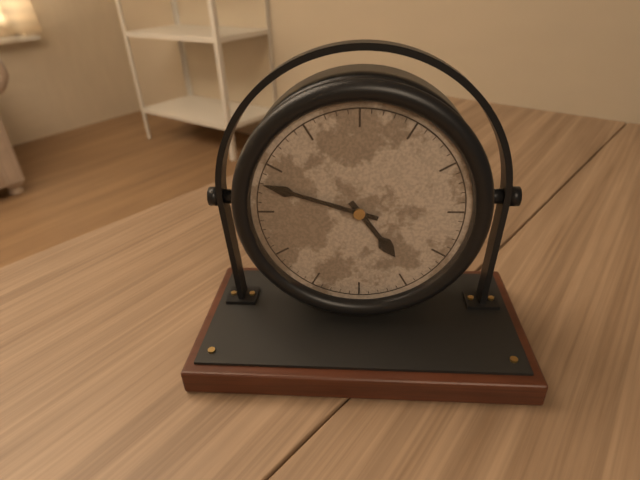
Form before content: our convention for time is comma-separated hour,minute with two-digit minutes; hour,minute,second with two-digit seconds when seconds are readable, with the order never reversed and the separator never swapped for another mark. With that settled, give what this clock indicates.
4,48
